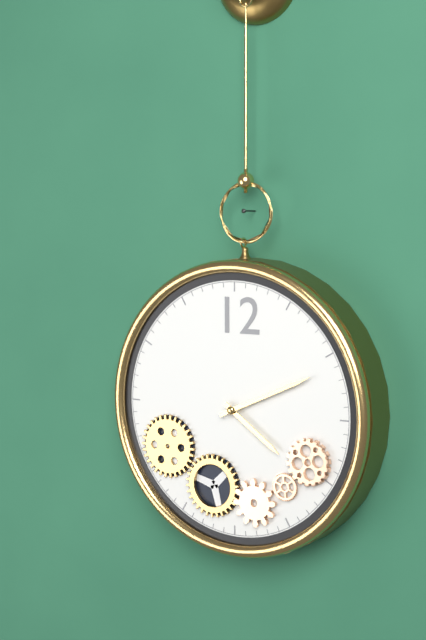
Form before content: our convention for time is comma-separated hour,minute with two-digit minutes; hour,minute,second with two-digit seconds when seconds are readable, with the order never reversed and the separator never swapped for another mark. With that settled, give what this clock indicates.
4,11
